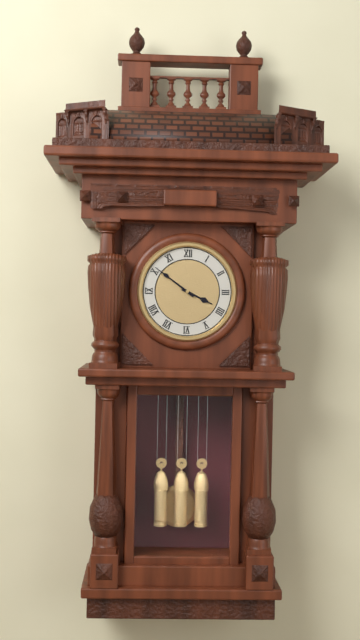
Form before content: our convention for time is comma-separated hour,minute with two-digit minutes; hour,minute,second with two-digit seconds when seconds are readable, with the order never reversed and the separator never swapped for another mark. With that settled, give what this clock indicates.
3,51
